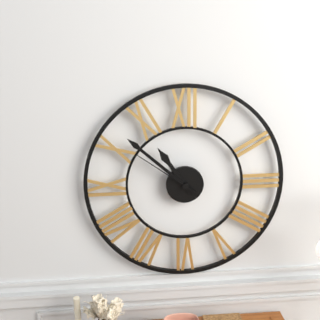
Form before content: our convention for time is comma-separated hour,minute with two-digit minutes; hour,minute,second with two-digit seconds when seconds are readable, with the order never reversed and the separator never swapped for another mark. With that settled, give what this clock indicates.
10,52,51
